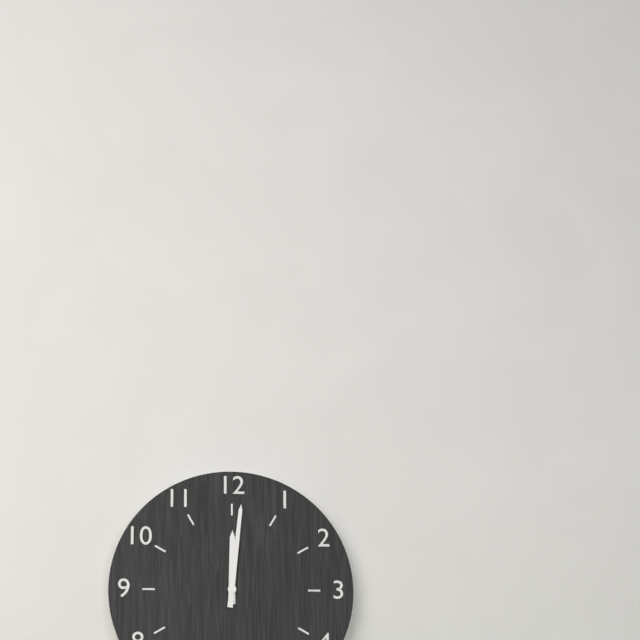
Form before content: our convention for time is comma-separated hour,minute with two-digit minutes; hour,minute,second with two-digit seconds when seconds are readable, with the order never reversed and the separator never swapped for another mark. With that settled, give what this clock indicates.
12,01
